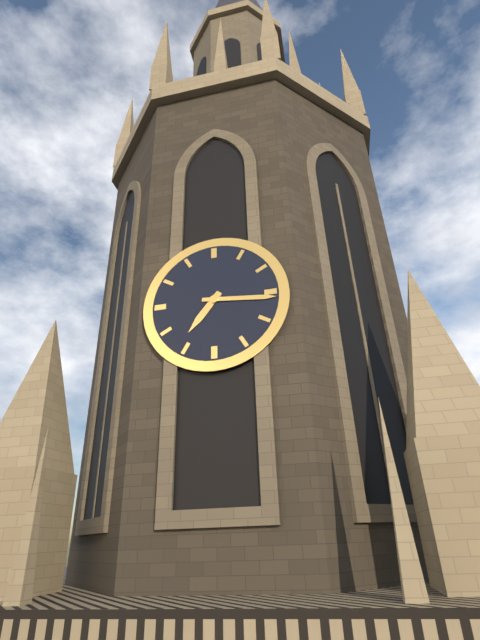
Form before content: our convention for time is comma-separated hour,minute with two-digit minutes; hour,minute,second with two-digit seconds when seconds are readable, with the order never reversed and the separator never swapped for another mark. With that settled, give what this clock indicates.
7,16
